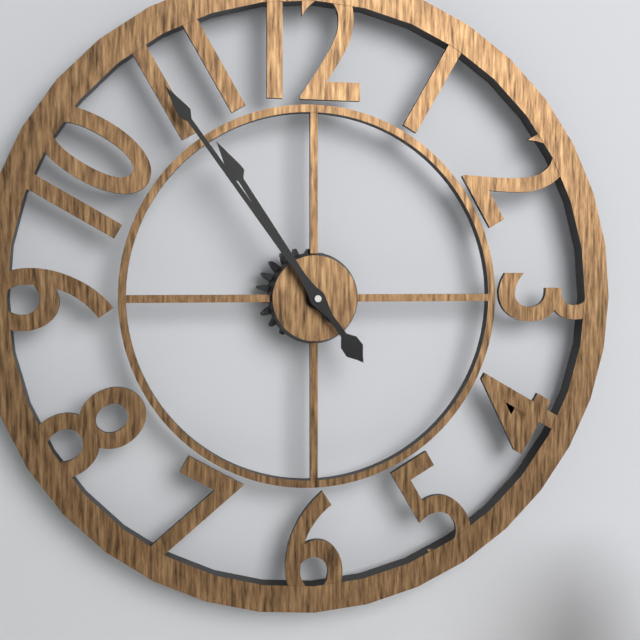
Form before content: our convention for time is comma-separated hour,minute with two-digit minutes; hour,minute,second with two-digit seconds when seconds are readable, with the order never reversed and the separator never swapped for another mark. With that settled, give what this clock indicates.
10,54
